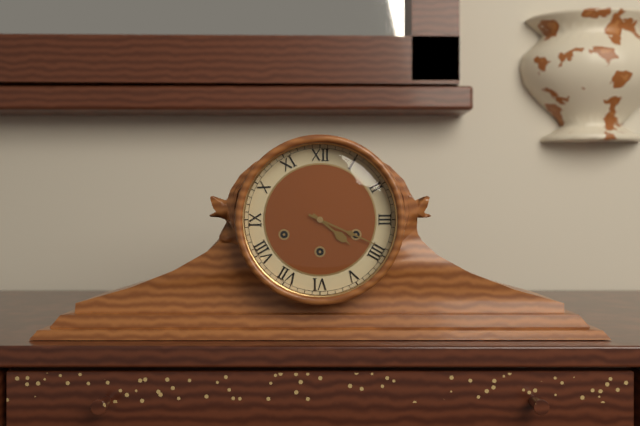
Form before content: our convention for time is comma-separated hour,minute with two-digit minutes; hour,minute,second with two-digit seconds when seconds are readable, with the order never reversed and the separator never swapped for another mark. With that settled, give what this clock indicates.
4,19
